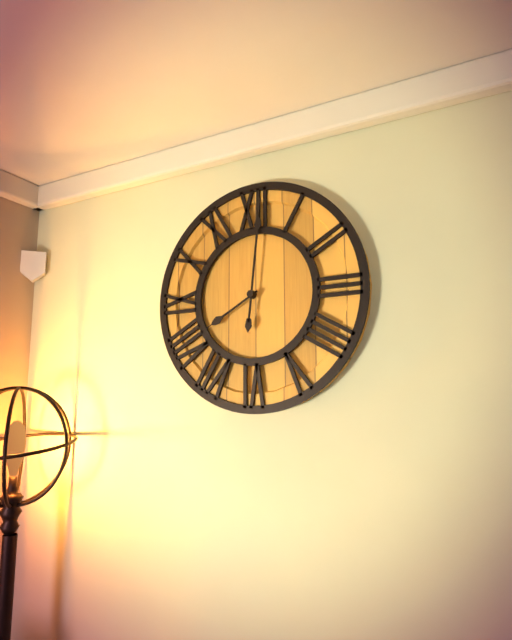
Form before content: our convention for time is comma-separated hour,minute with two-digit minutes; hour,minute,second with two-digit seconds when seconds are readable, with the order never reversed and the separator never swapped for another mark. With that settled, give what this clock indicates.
8,01
